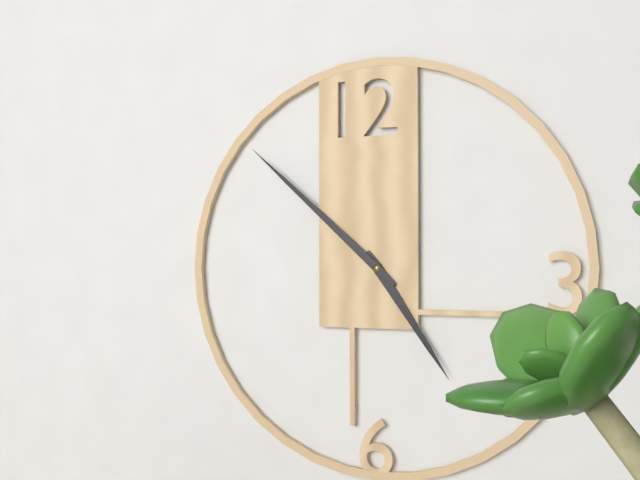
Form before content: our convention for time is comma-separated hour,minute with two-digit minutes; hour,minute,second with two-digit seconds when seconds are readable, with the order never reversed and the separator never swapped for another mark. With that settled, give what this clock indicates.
4,52
